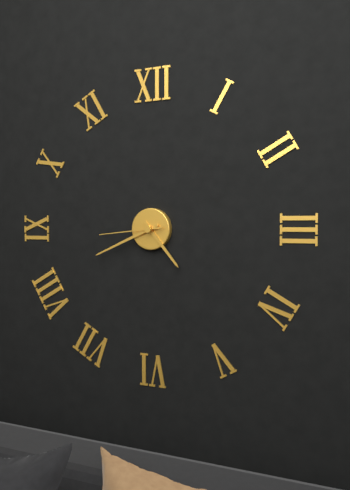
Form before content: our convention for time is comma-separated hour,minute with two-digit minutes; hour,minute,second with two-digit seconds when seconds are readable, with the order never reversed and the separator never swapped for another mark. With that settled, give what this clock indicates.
4,41,44
